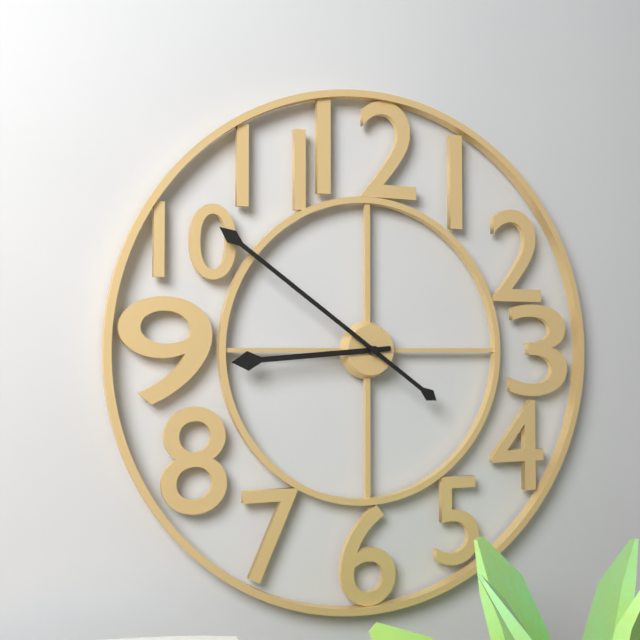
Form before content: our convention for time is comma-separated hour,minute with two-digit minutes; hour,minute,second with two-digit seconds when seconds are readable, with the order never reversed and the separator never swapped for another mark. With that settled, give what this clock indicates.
8,51
